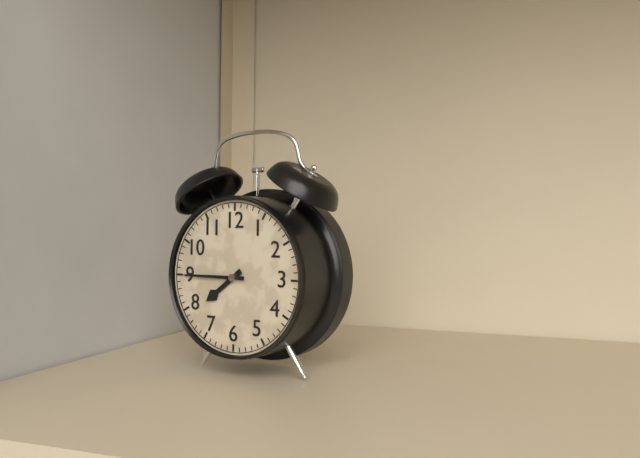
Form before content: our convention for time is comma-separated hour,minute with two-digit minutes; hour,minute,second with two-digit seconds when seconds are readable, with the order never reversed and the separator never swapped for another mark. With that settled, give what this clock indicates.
7,45
